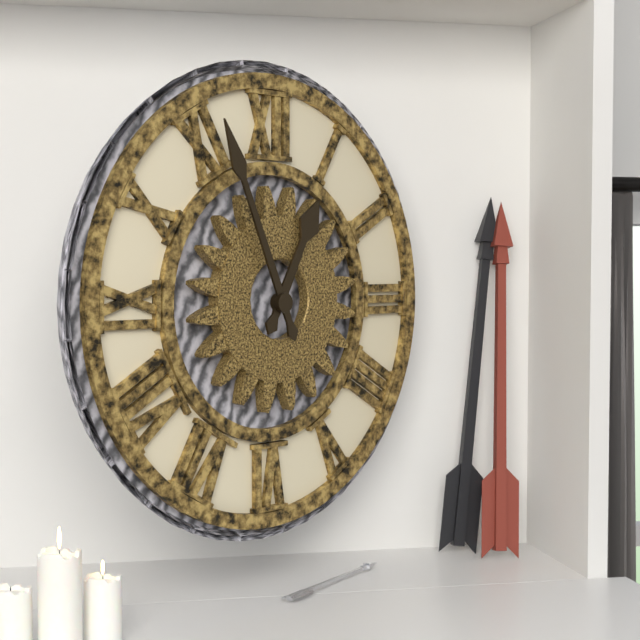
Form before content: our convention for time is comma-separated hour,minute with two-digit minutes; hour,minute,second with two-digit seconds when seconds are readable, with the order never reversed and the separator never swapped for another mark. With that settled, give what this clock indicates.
12,56
